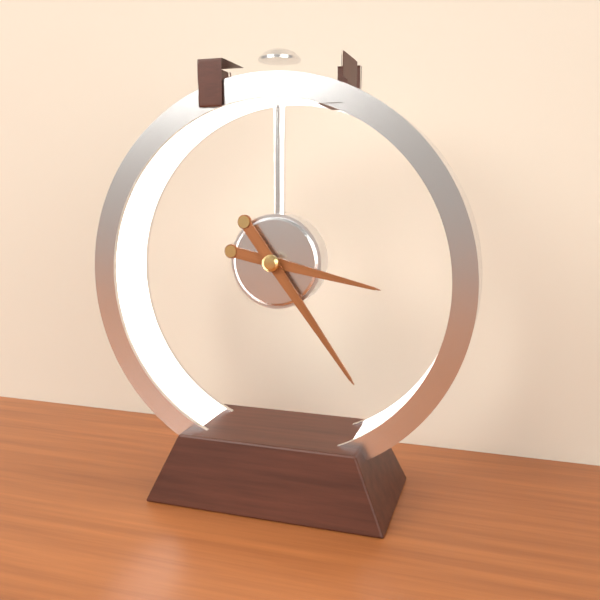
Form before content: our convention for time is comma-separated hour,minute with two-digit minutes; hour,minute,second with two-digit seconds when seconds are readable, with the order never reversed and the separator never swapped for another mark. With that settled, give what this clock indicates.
3,24
